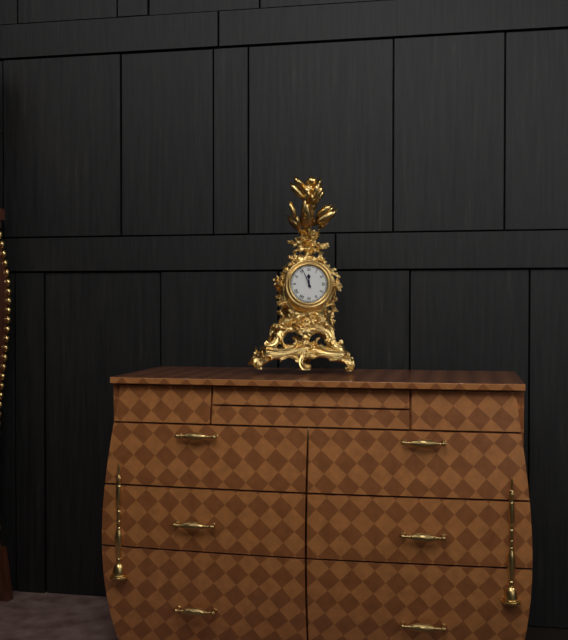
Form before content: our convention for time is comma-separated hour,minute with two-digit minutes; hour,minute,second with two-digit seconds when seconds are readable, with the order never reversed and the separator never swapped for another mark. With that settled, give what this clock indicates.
11,56
